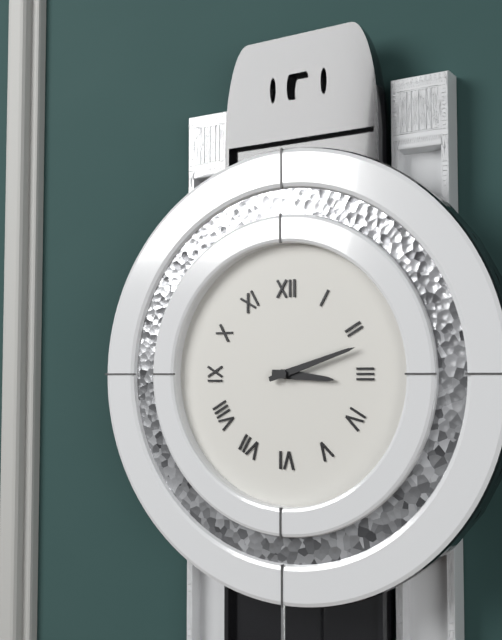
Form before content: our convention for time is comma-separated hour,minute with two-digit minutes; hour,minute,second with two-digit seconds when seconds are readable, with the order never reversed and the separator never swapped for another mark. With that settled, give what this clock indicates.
3,12
